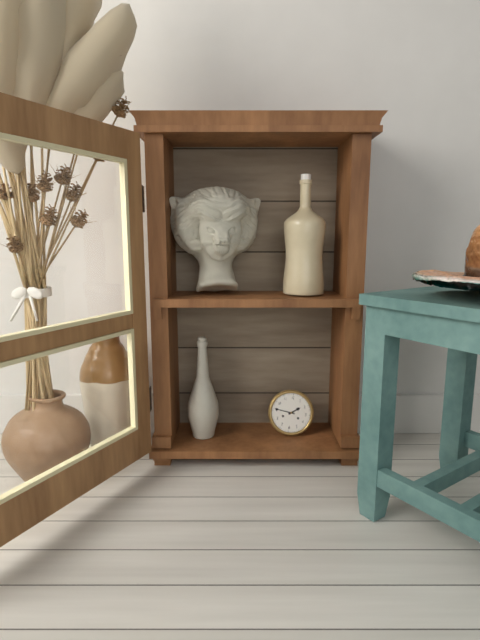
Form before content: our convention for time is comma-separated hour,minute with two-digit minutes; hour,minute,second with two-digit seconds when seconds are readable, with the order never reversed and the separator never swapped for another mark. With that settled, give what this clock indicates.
1,46
